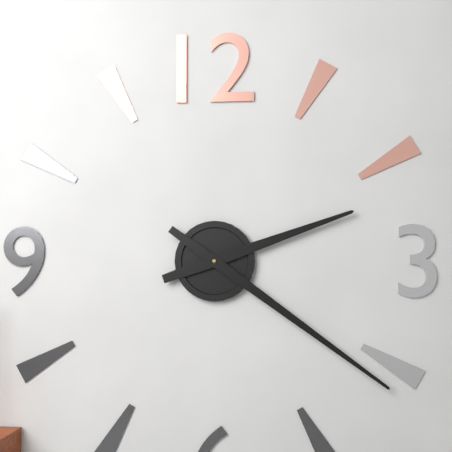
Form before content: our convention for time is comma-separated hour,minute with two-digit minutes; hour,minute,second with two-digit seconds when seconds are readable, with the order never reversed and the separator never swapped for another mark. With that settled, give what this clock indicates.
2,21
